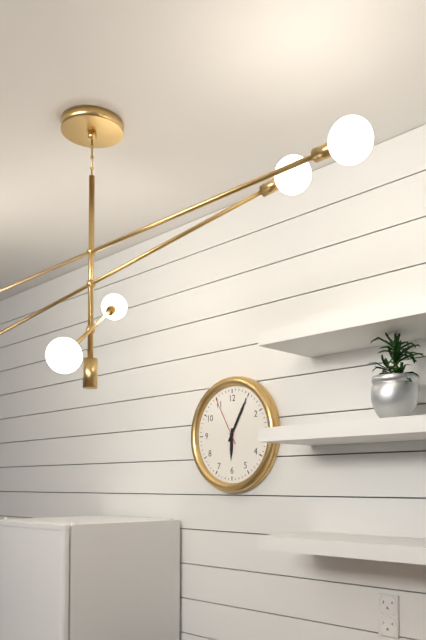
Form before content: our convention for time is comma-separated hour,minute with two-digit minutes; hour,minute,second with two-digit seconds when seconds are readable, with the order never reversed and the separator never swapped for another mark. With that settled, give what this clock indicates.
6,05
